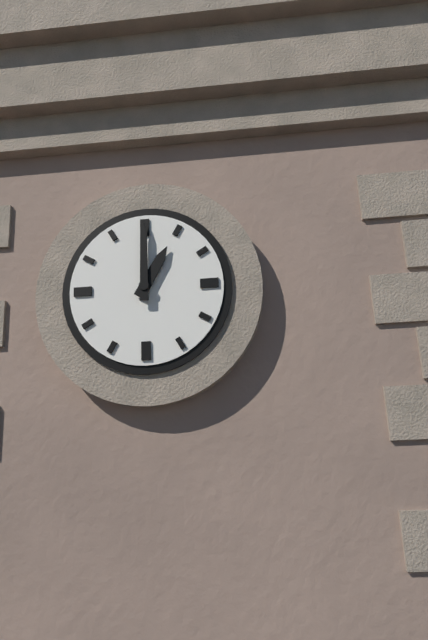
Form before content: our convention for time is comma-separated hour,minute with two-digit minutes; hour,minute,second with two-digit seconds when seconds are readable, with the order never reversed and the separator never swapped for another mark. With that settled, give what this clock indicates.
1,00
